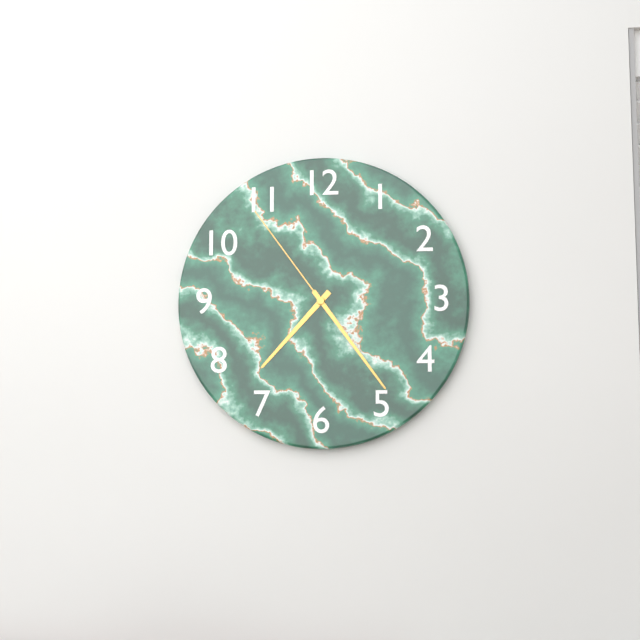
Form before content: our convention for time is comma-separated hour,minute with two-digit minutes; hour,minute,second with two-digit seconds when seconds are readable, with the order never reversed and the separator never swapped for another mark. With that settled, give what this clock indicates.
7,24,54
